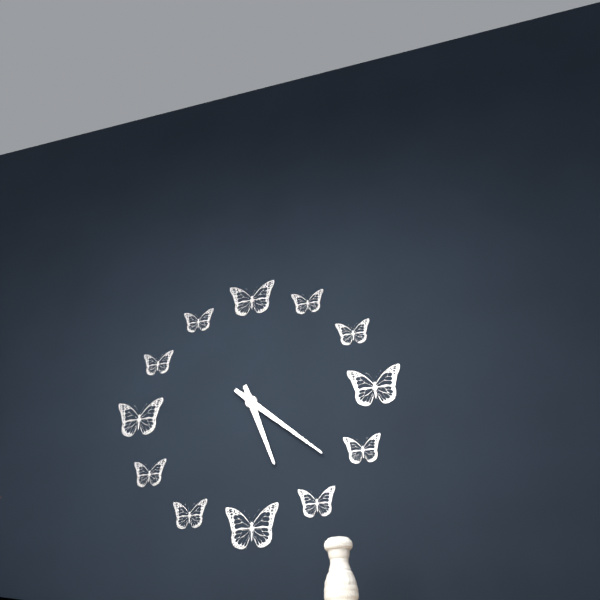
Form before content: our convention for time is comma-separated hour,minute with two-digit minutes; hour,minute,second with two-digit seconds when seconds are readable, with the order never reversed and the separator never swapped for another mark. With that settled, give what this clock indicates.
5,22
